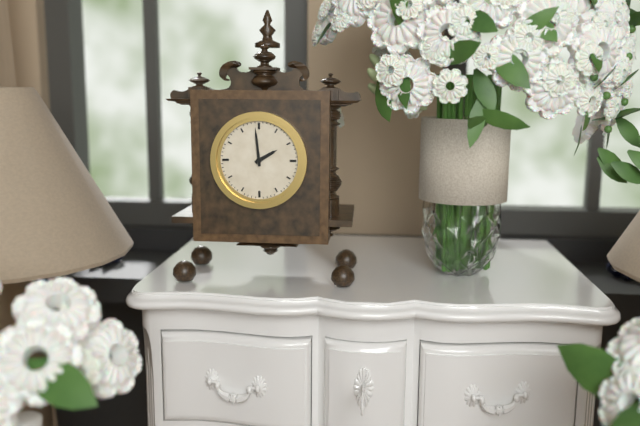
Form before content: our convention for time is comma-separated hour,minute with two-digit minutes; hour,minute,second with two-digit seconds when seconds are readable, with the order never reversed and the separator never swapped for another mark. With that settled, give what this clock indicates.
1,59
